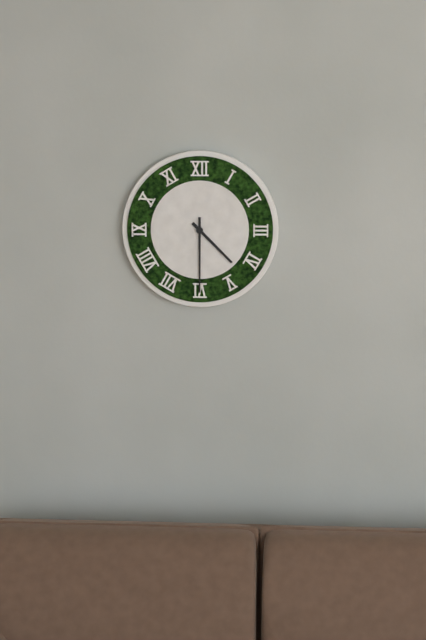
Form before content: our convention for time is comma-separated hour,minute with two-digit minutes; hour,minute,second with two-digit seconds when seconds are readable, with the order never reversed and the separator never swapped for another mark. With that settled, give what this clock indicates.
4,30
